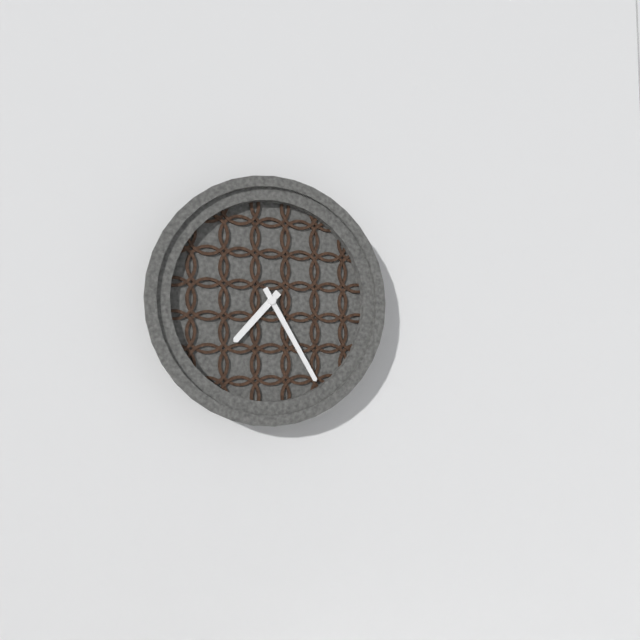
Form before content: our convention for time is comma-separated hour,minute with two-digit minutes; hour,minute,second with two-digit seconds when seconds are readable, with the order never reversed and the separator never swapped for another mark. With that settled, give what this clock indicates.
7,25
